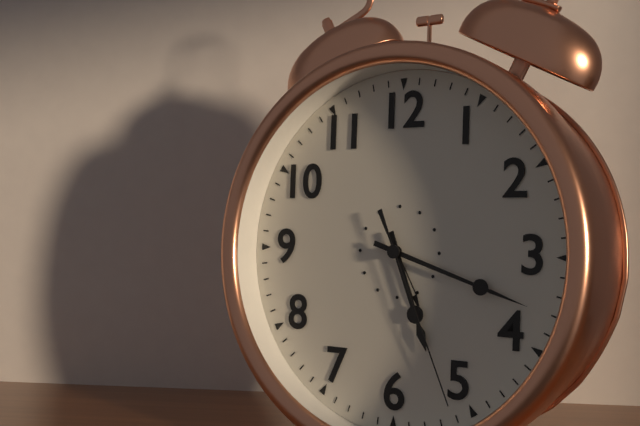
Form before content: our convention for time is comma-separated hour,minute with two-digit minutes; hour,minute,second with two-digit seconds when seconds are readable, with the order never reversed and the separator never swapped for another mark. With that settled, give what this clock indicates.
5,18,26
